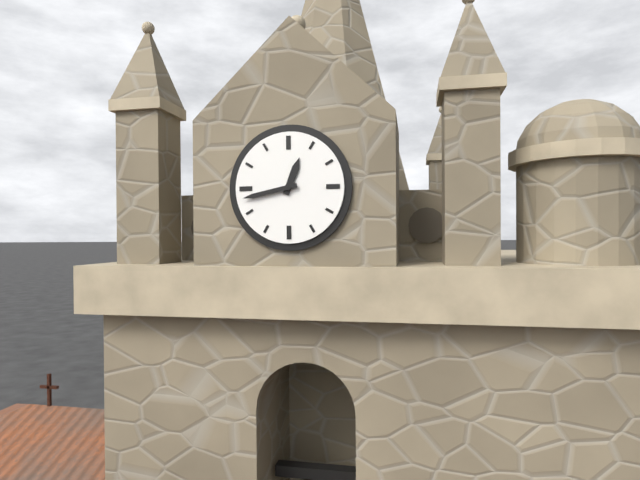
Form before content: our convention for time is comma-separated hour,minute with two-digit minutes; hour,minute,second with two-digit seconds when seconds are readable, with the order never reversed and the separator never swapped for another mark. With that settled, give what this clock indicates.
12,43
